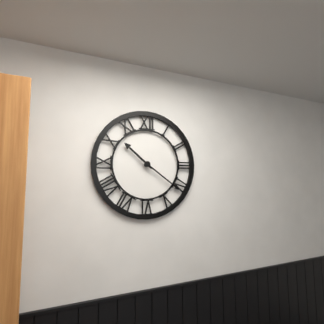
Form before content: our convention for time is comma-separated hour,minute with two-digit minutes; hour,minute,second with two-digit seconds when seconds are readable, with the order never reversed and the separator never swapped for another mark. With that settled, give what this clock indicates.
10,21
